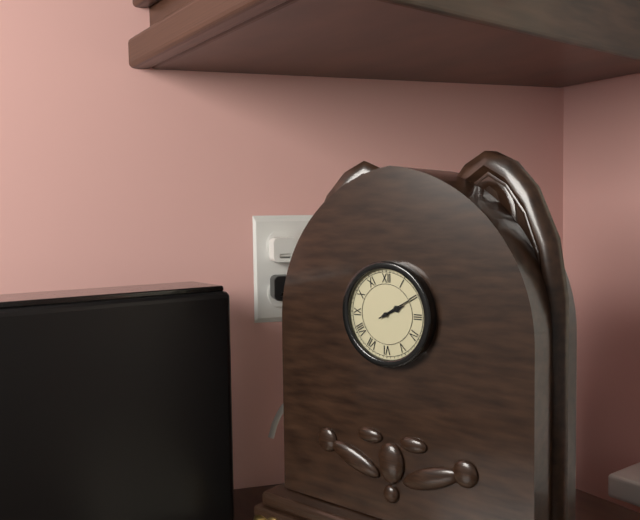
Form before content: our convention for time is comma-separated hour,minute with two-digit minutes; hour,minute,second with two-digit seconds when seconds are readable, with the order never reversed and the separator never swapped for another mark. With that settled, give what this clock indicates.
2,10
